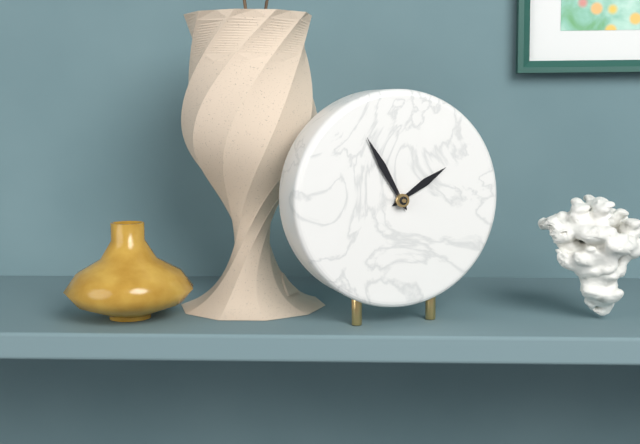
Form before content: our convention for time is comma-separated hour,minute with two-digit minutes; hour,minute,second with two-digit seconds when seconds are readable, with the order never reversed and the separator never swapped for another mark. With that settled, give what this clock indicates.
1,55
